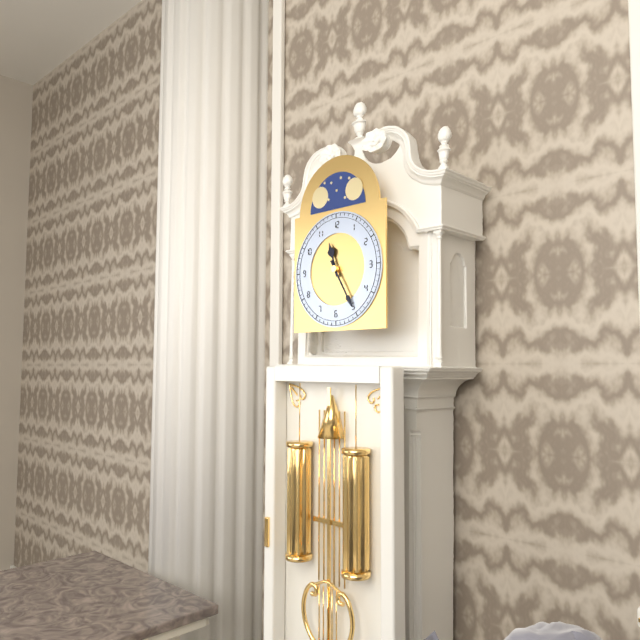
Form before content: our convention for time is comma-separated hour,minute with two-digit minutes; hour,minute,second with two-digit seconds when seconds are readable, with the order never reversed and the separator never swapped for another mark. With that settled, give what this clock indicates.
11,25
